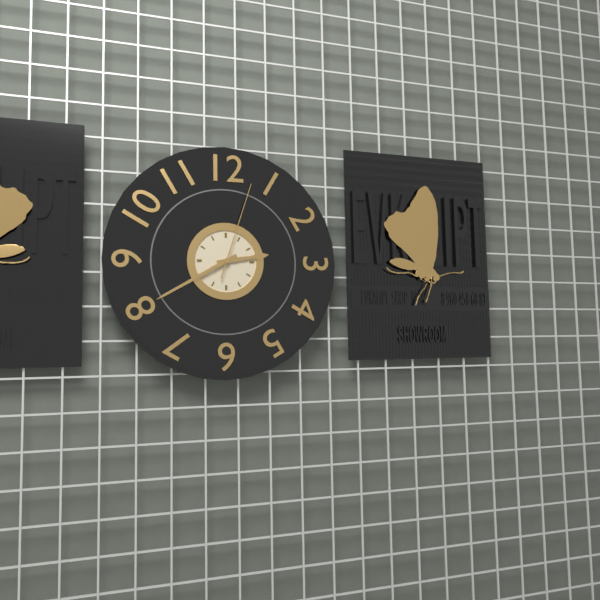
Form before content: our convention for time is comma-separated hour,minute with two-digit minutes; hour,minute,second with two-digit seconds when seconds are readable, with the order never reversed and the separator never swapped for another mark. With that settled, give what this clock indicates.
2,40,03
